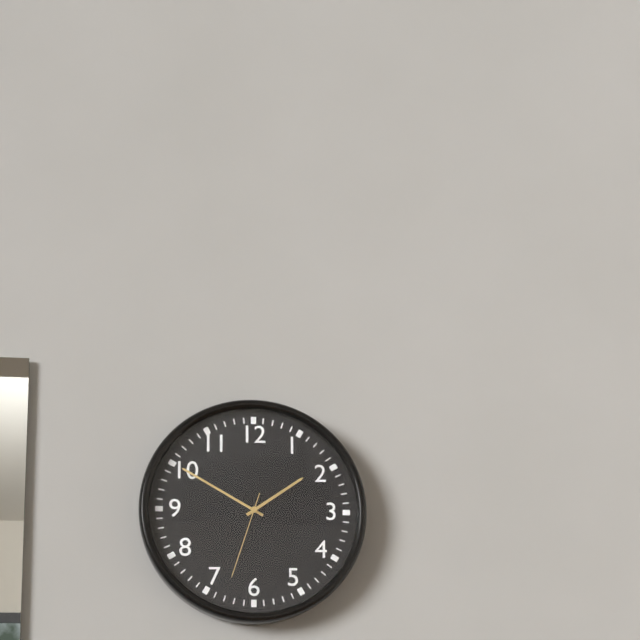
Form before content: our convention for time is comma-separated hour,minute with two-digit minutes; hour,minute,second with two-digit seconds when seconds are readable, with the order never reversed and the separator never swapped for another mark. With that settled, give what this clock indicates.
1,50,33
